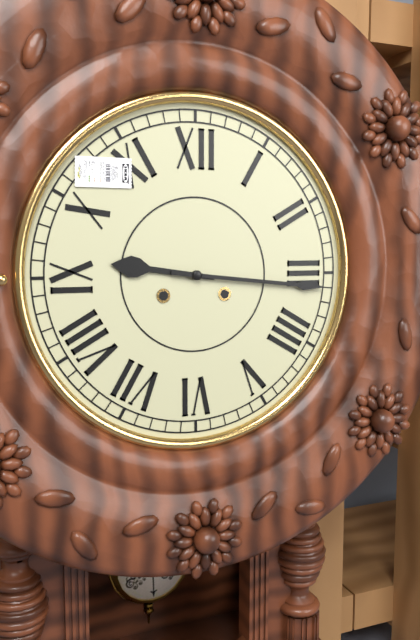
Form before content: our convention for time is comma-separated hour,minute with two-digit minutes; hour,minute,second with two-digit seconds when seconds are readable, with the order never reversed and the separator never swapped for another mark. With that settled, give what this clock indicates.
9,16
